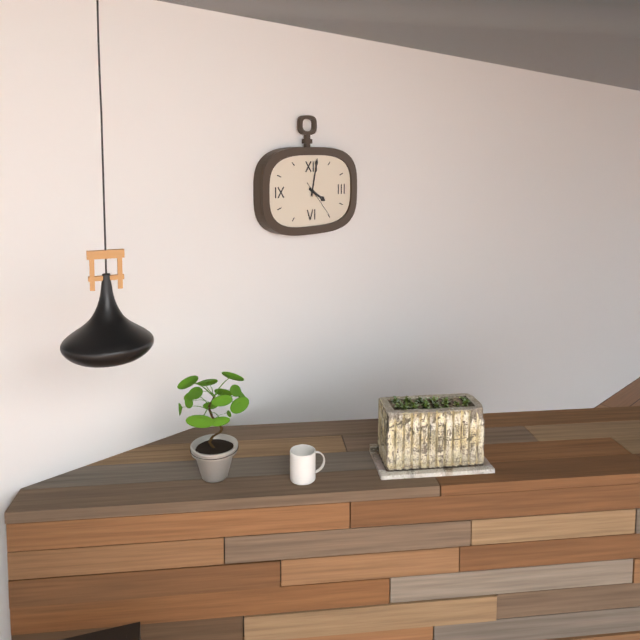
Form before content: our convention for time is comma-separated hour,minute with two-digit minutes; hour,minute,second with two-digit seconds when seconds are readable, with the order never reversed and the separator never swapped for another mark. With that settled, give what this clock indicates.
4,02
